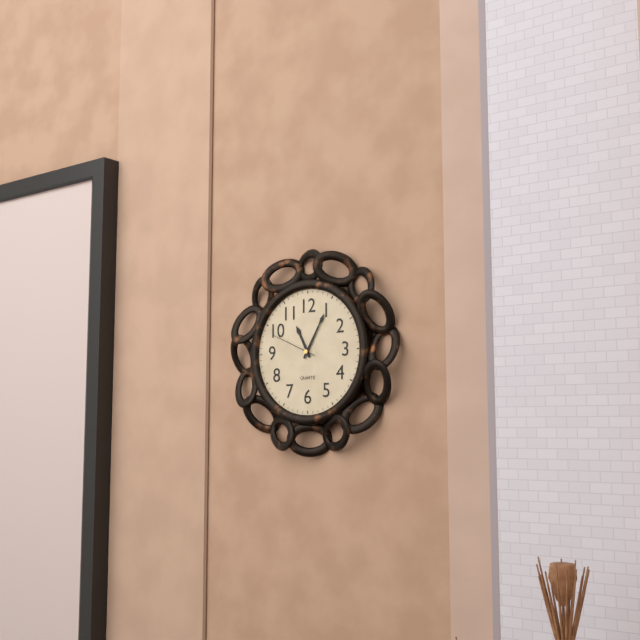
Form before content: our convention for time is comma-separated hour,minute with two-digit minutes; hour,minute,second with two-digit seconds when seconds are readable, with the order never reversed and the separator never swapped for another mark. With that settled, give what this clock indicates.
11,05
